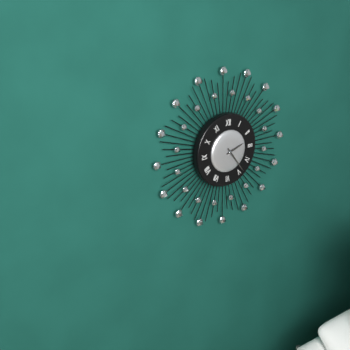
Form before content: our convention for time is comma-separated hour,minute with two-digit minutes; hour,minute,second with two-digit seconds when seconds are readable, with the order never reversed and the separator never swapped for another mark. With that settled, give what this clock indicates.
2,24
